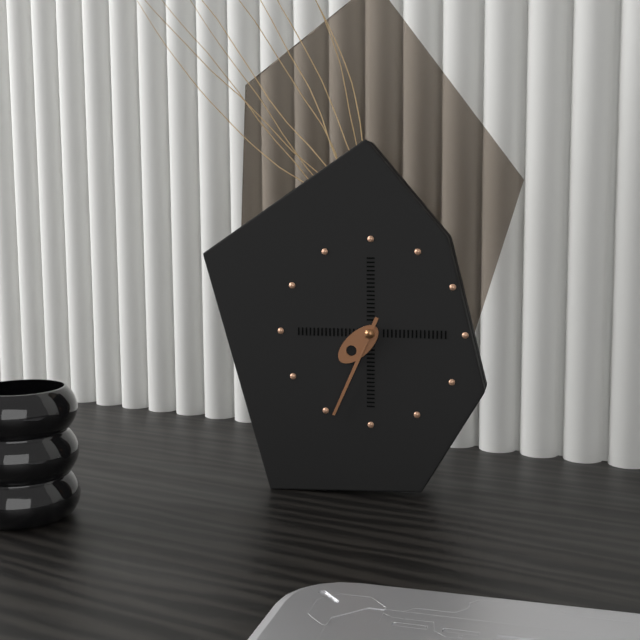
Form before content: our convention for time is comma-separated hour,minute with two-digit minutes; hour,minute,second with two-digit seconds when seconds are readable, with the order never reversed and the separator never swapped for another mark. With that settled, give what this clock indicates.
7,34
